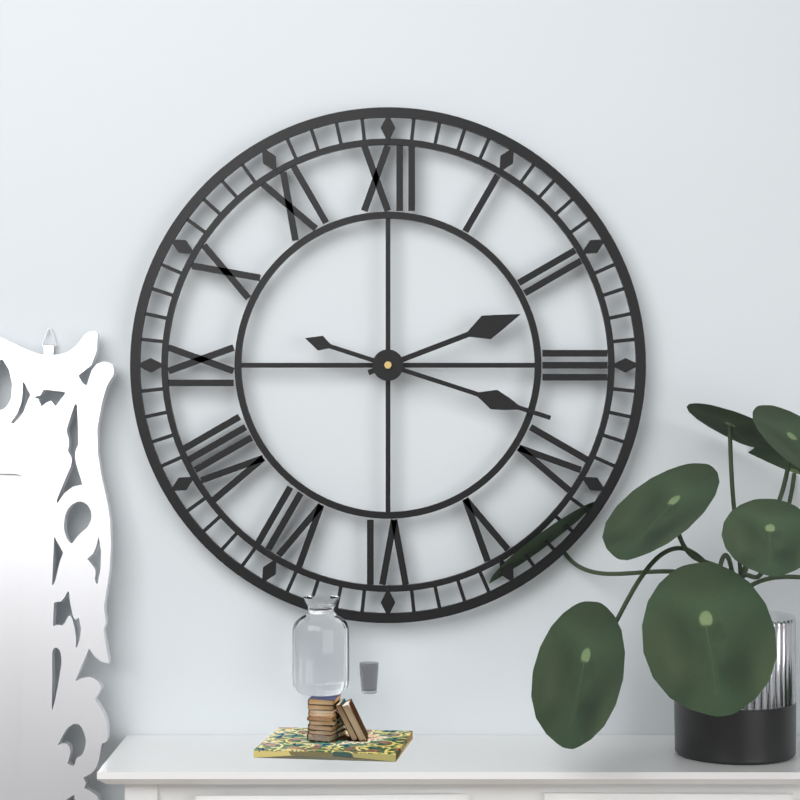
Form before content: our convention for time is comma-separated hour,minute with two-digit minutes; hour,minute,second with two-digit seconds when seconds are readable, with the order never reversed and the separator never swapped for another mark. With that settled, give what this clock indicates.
2,18
